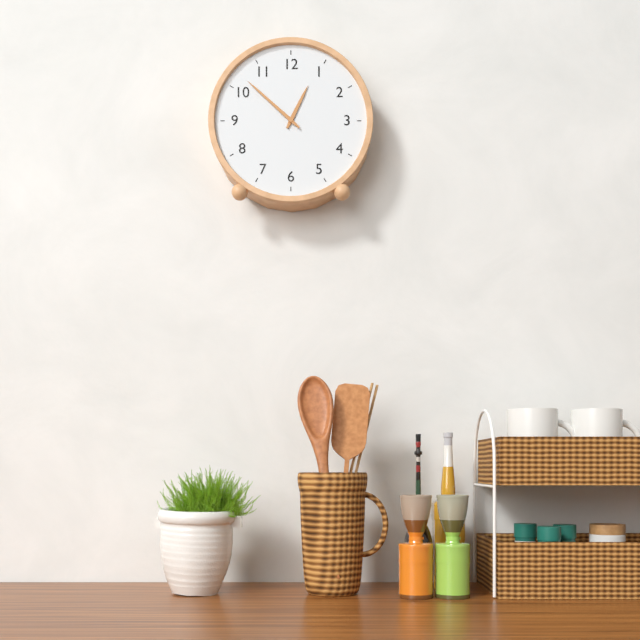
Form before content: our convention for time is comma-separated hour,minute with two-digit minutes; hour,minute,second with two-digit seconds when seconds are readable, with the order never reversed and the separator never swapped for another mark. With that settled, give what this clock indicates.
12,52
